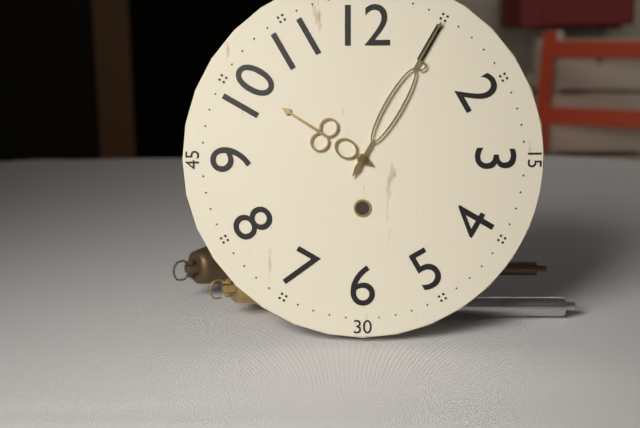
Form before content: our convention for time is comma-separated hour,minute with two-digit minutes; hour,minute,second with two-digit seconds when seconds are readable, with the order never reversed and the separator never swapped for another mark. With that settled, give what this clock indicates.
10,05
